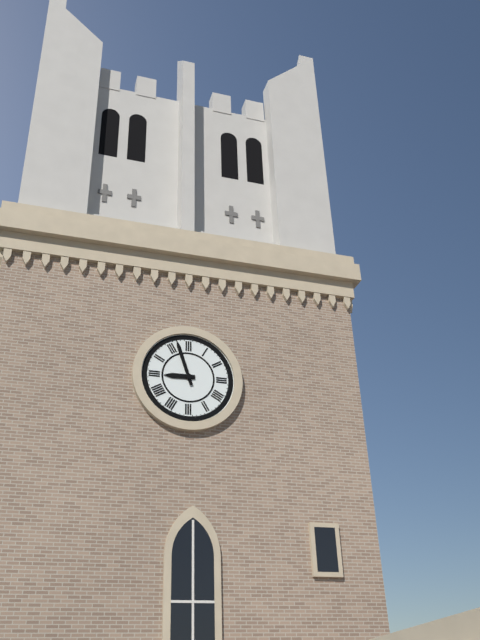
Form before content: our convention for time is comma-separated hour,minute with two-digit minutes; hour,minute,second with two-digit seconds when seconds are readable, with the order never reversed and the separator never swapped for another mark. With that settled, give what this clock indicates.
8,57
